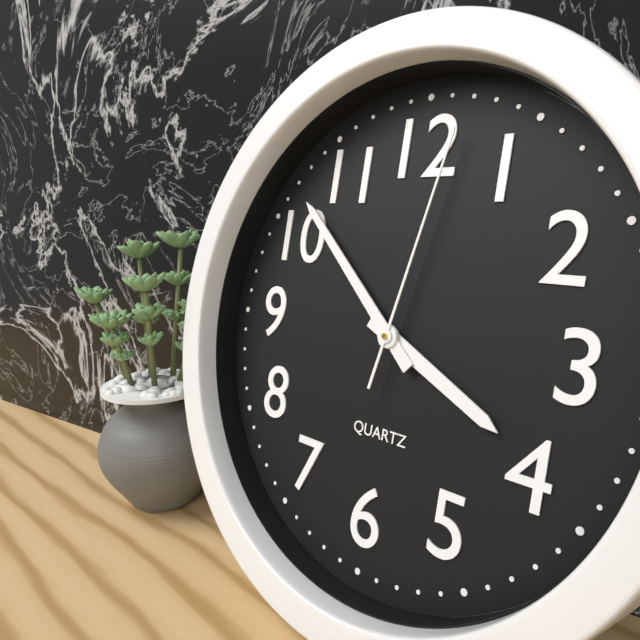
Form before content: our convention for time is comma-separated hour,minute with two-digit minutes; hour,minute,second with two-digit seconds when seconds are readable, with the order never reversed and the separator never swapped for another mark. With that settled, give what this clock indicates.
3,52,02
